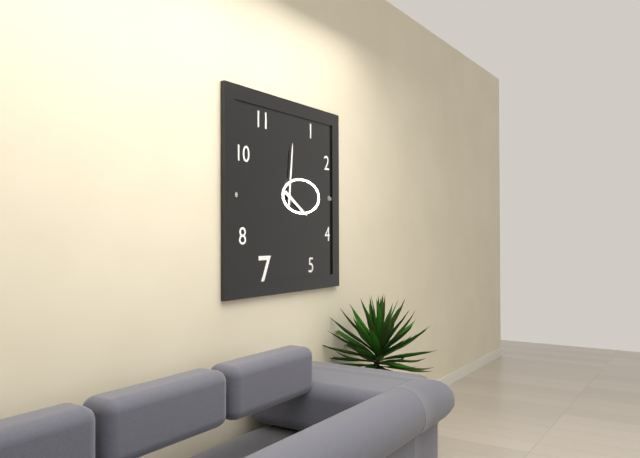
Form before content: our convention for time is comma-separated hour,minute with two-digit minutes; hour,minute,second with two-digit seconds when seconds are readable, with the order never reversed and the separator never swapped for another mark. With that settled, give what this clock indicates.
4,01
